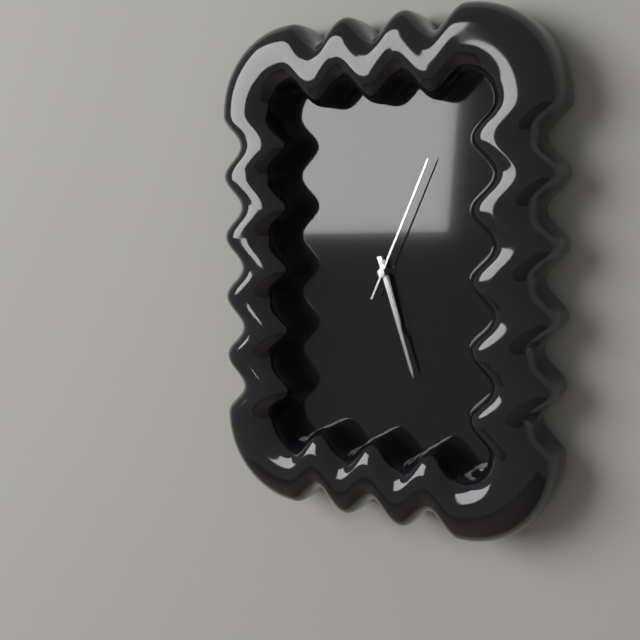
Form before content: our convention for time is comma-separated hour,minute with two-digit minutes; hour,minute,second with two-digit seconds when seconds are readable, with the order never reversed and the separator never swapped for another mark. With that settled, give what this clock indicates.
5,27,04
